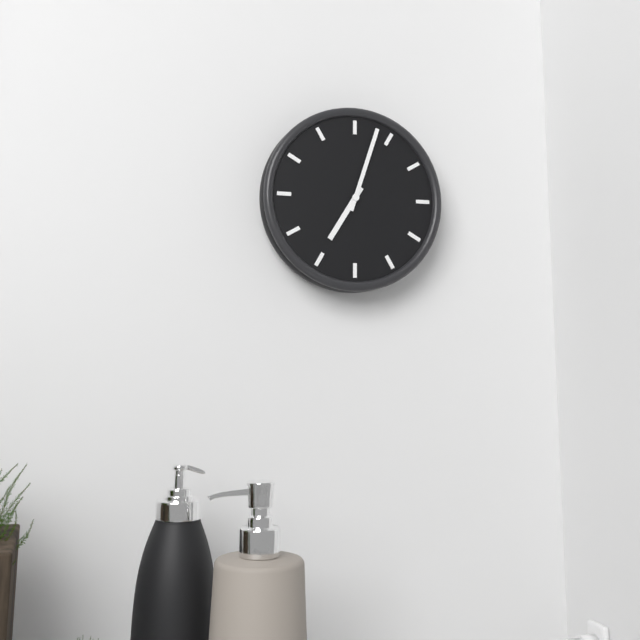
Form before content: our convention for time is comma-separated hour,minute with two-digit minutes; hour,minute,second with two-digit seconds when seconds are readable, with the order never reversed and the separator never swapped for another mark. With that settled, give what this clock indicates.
7,03
